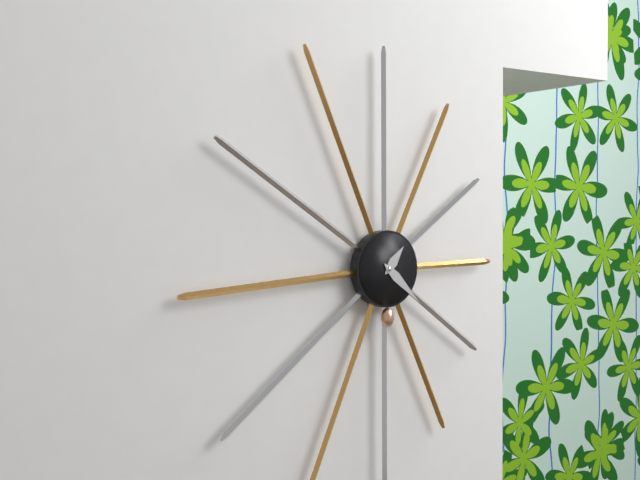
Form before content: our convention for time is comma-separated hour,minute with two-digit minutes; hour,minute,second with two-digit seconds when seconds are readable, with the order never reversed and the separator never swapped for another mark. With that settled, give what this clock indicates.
1,22
